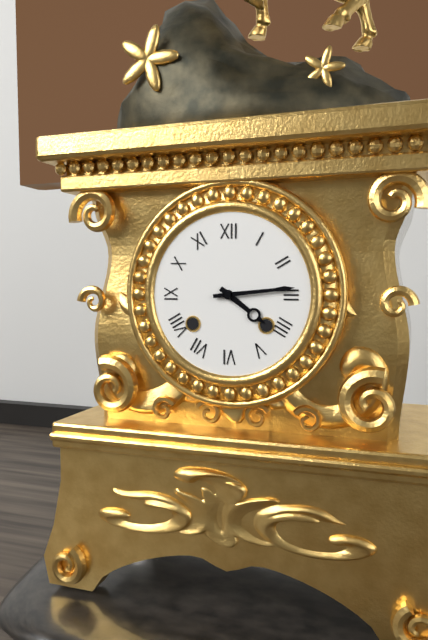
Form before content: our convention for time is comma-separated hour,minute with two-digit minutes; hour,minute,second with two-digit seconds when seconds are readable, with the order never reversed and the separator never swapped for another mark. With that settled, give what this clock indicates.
4,14
